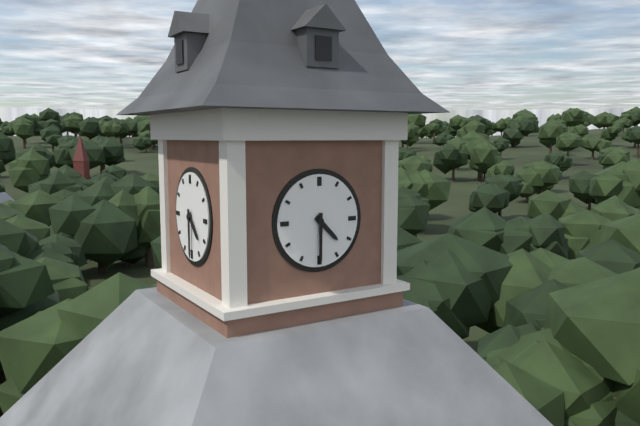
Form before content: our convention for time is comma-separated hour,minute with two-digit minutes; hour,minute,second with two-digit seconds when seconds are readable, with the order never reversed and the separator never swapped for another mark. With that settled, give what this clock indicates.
4,30
